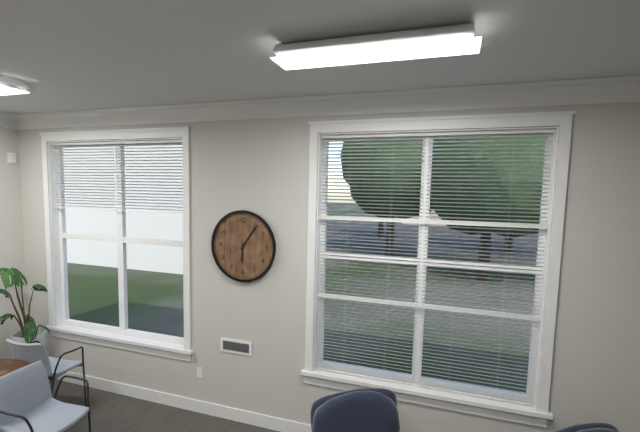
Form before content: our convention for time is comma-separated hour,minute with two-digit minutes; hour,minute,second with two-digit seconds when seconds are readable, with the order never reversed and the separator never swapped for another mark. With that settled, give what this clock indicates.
6,06
